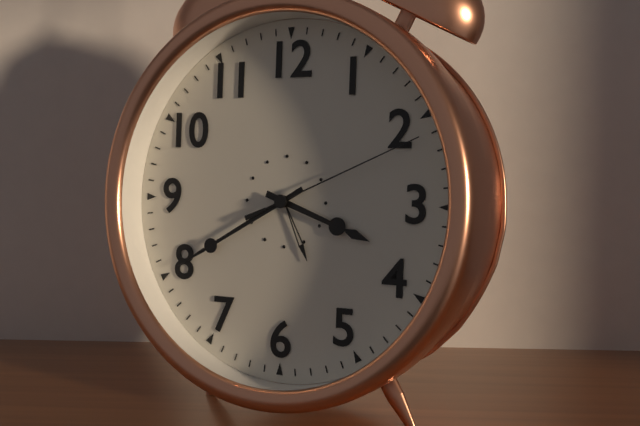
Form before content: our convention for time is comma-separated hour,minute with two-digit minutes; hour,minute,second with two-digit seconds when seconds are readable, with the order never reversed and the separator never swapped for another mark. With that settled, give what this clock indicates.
3,40,11
